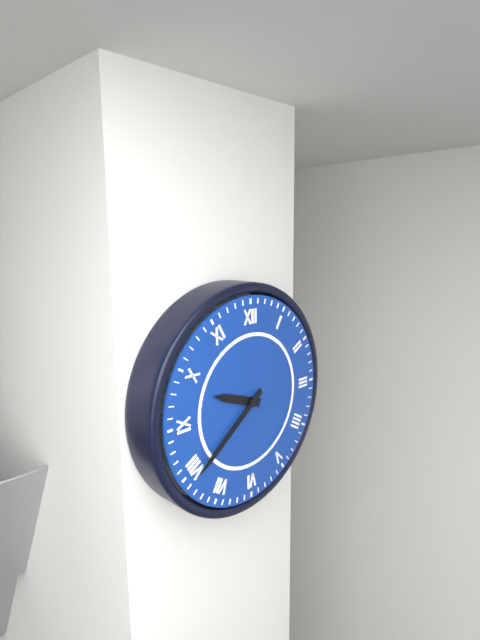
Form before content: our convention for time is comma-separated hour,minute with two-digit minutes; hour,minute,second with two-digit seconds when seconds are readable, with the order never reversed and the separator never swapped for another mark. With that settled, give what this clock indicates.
9,39
